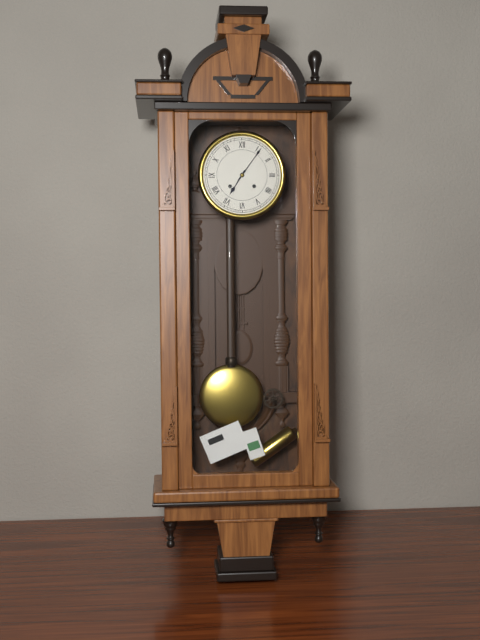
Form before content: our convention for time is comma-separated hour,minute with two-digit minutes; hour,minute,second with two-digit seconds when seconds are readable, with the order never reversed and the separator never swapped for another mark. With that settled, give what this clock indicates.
7,06
